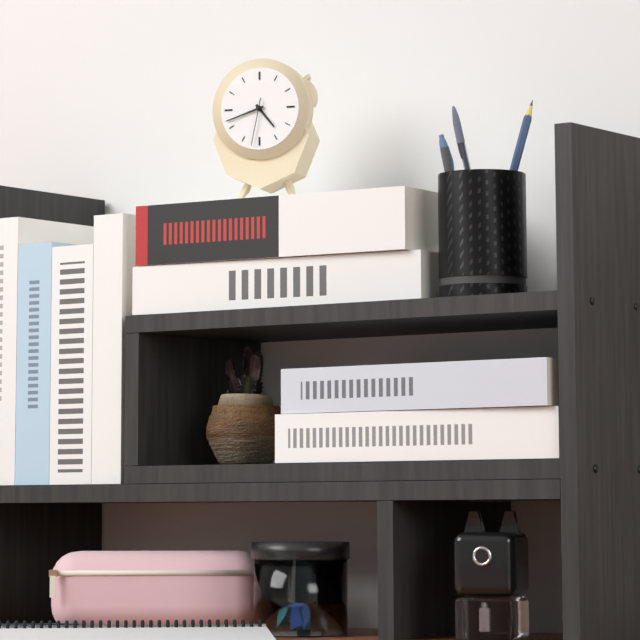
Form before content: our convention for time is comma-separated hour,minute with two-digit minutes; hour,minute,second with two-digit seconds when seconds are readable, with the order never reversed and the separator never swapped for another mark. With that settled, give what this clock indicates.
4,42
